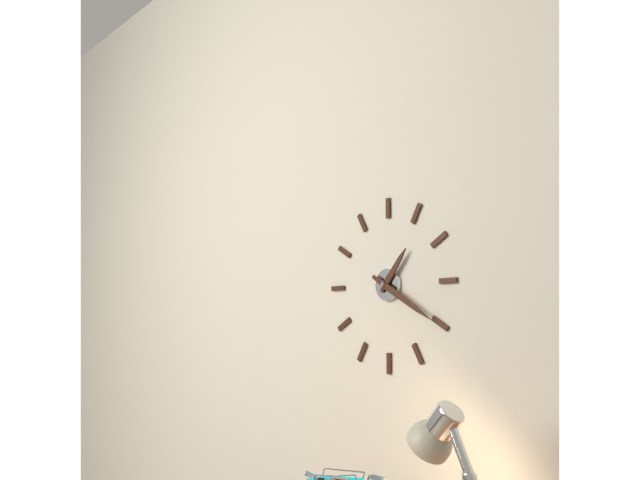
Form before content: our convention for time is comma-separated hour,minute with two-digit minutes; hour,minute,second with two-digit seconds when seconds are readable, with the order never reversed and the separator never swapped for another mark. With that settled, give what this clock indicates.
1,20
